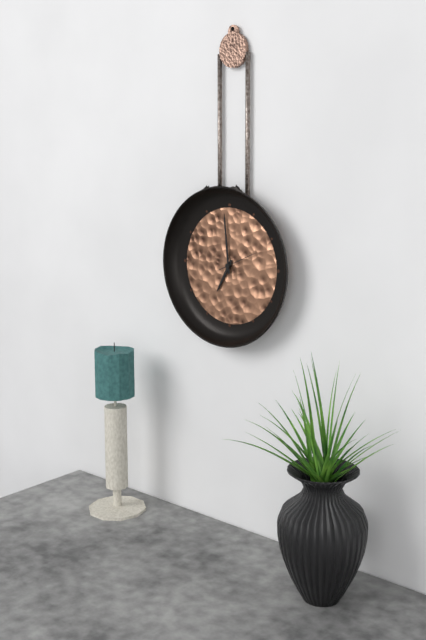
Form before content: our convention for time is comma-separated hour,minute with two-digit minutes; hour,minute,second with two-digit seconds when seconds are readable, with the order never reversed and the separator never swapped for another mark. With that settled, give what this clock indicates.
6,59
